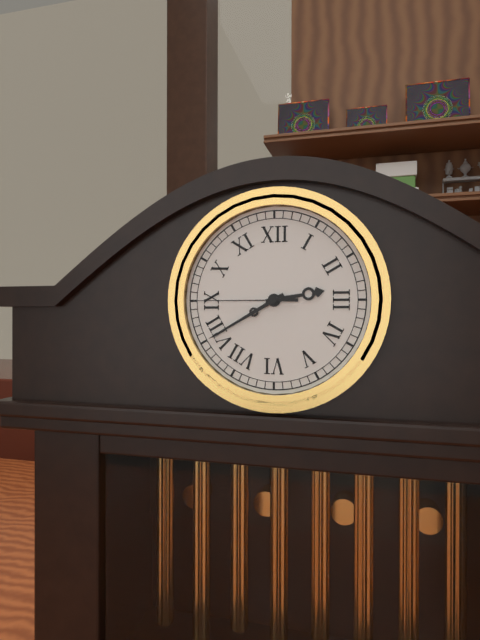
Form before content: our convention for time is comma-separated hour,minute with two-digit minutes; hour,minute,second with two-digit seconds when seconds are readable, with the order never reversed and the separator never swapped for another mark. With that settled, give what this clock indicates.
2,40,45
